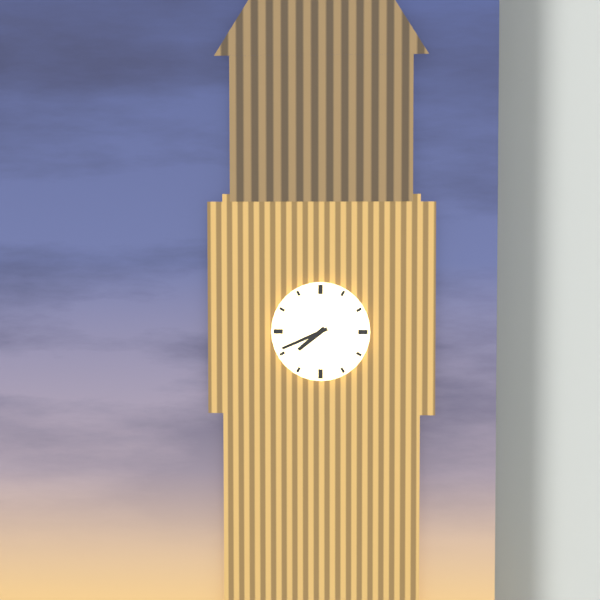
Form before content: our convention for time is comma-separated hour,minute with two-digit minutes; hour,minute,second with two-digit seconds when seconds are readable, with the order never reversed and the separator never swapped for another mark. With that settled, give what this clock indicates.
7,41
